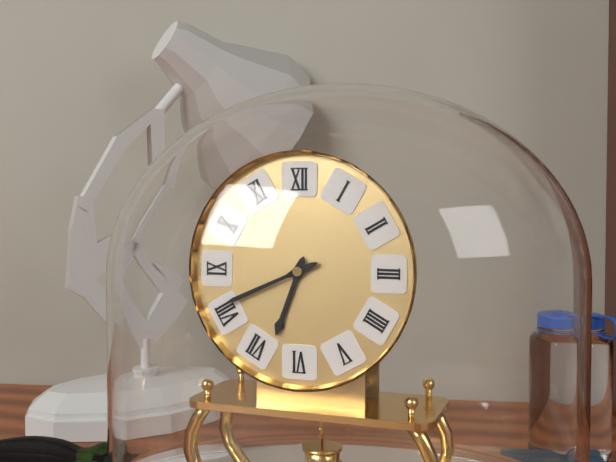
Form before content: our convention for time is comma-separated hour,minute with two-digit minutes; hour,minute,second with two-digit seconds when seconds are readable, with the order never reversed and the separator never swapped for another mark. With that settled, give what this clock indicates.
6,41
